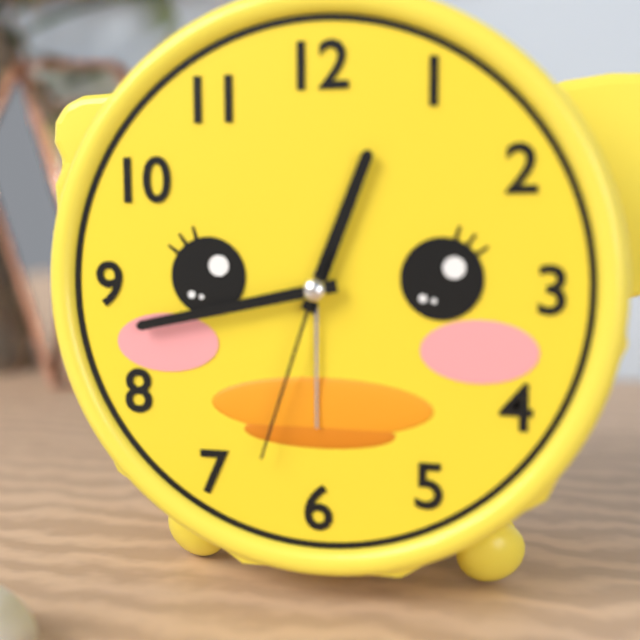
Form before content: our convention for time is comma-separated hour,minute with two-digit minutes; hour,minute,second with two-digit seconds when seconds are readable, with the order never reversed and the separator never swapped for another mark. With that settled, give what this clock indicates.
12,43,33
